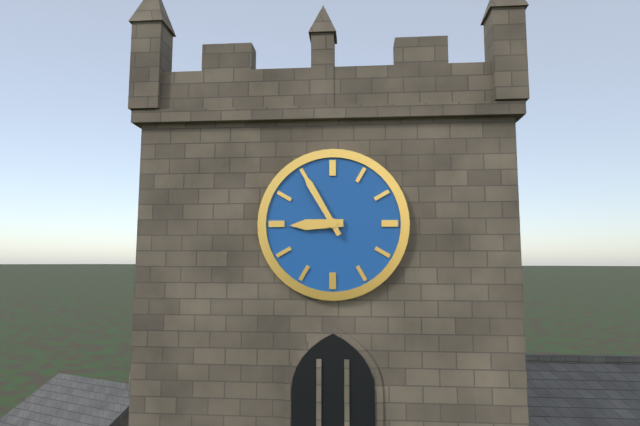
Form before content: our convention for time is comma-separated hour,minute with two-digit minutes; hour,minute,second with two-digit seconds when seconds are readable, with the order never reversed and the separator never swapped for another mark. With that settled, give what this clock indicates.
8,55
